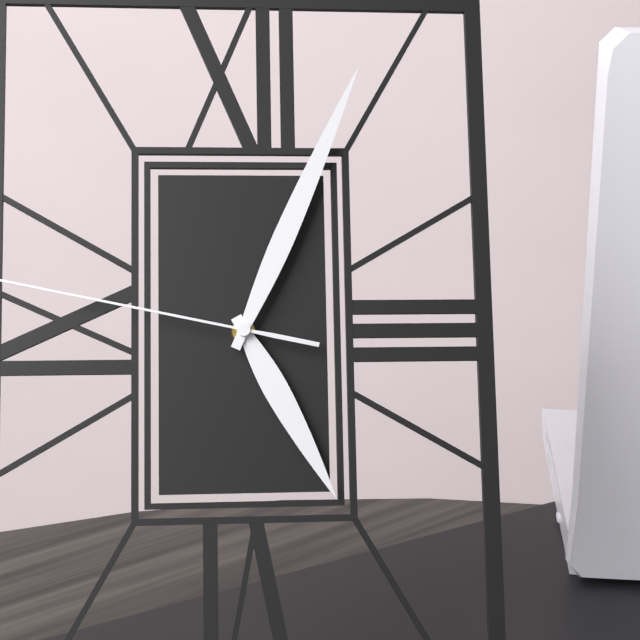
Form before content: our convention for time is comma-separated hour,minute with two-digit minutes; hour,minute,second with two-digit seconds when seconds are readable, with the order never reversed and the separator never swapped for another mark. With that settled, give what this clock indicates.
5,04
